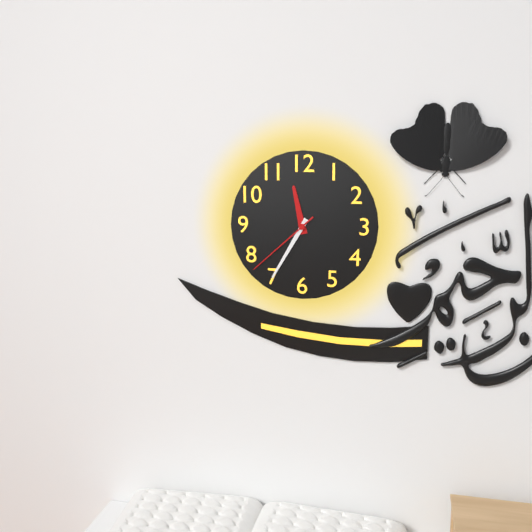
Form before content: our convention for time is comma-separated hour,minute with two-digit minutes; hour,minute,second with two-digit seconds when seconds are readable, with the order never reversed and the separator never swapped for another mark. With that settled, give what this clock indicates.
11,35,38
